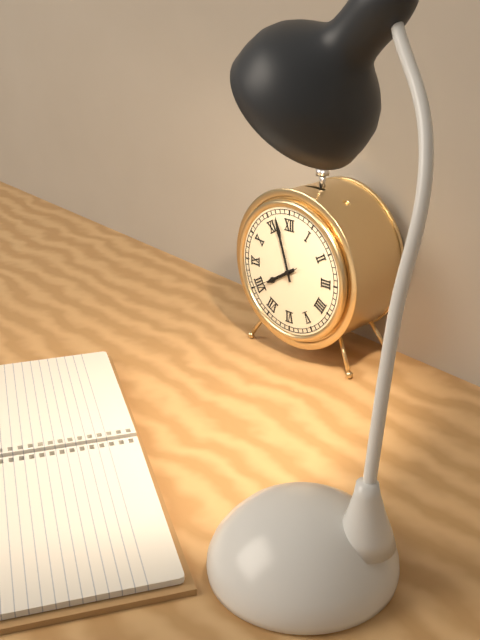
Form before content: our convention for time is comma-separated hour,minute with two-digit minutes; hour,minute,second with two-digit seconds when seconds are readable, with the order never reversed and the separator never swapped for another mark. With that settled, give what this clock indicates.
7,57,40
